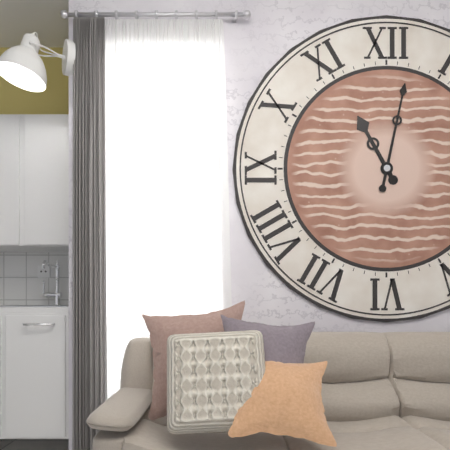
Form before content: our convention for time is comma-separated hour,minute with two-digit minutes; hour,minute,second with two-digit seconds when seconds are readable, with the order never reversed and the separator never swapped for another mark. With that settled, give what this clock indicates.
11,02
